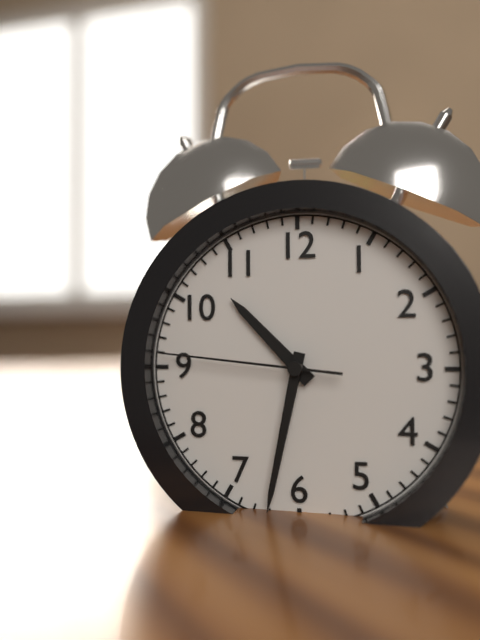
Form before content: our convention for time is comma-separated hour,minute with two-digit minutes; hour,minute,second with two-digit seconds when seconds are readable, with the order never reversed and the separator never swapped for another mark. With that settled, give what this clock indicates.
10,32,46
